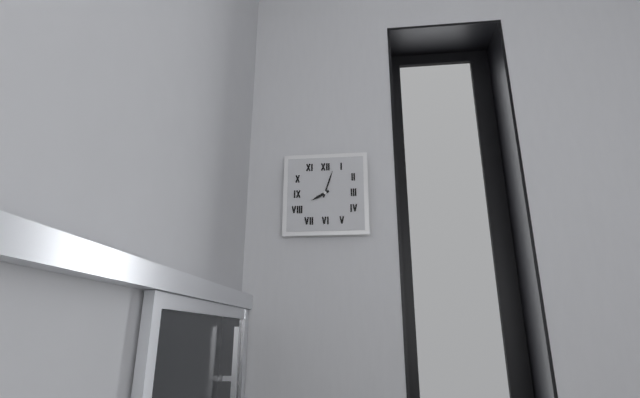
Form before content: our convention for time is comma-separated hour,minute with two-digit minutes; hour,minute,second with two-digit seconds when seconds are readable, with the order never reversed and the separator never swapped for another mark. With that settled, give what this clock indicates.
8,03
